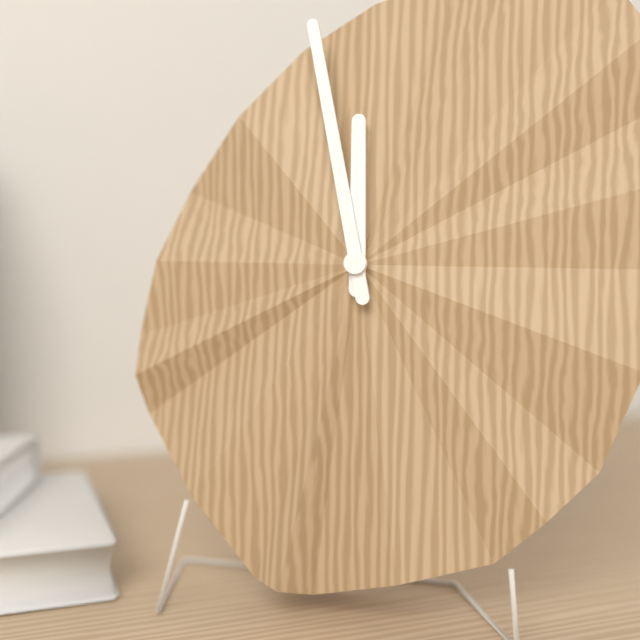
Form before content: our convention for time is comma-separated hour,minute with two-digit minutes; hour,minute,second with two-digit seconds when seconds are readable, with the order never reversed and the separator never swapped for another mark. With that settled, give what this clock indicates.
11,58
